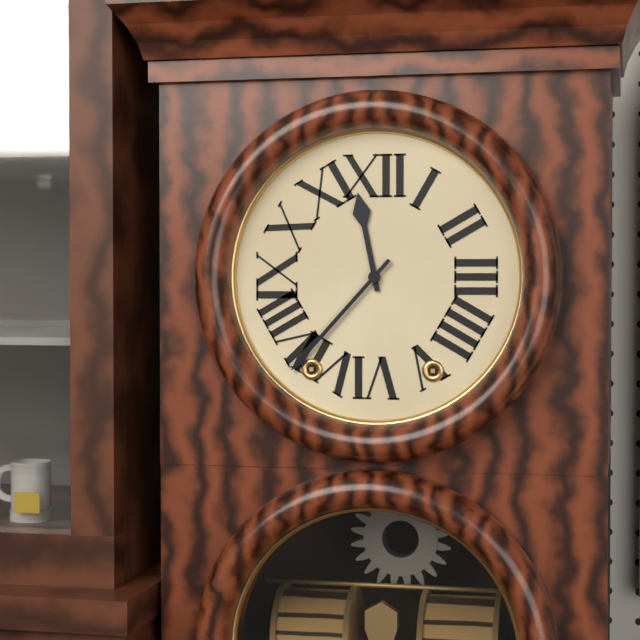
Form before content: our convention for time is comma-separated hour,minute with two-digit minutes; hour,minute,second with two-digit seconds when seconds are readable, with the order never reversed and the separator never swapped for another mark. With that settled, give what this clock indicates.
11,37
